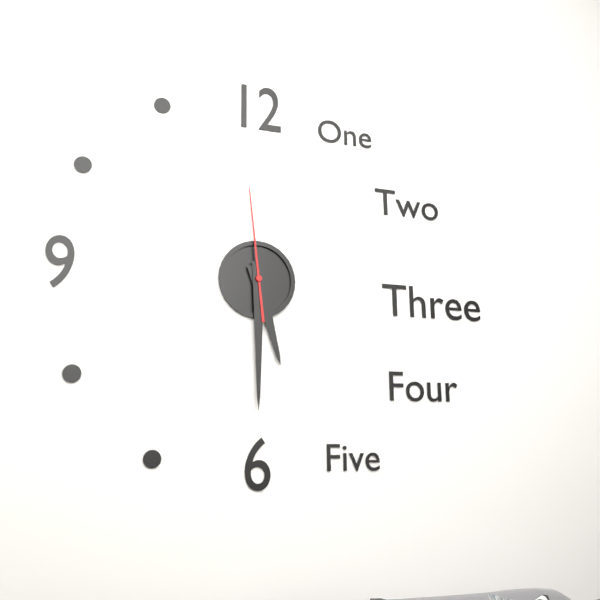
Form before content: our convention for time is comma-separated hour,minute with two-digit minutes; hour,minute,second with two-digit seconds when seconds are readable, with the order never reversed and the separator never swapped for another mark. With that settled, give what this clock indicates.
5,30,59
